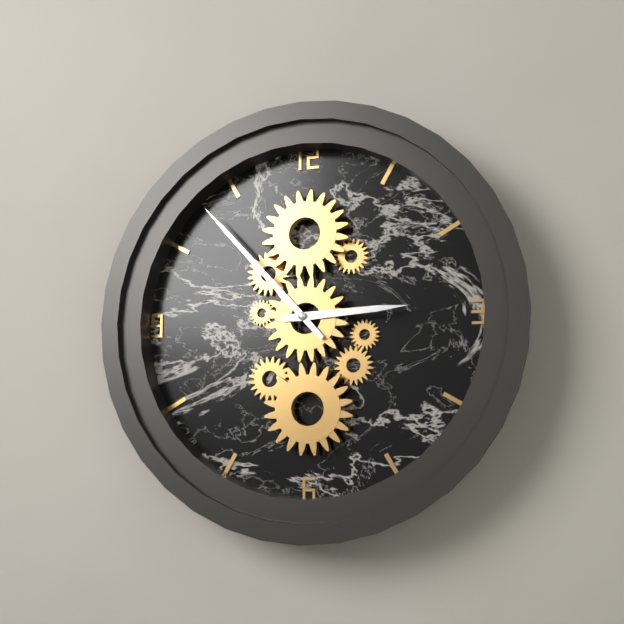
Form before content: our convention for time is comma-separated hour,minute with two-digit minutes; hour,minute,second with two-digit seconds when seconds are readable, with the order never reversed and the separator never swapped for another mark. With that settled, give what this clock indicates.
2,53
